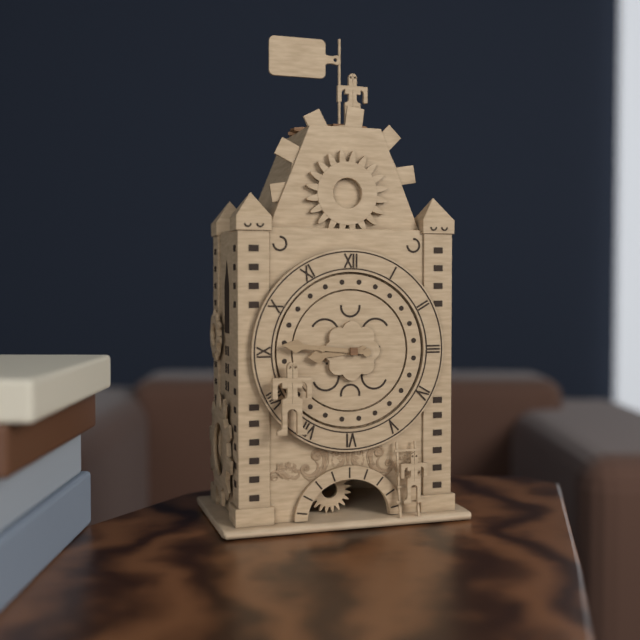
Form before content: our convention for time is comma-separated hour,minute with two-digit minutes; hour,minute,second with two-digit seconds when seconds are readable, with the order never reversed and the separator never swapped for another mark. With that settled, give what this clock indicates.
8,46
